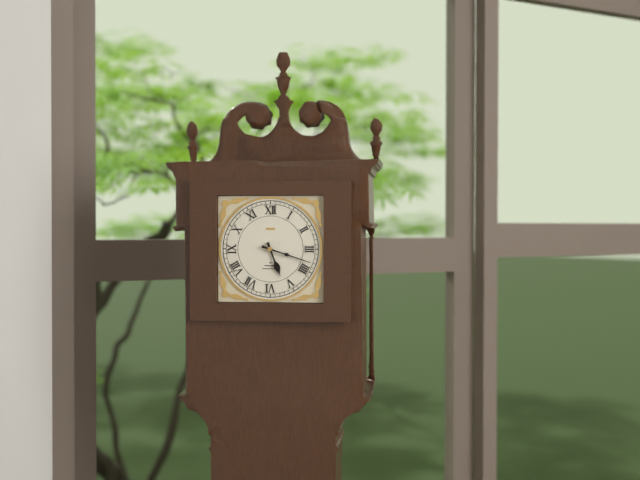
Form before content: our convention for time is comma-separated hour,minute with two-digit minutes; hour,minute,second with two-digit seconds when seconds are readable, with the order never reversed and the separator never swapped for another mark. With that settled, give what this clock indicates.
5,18
